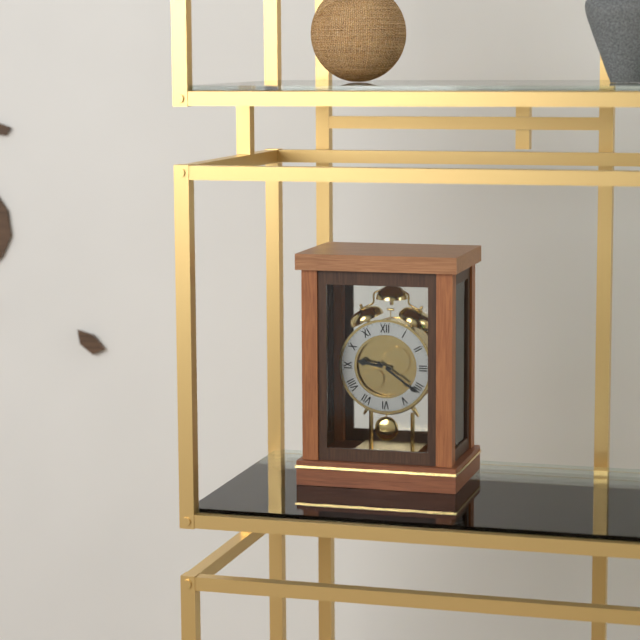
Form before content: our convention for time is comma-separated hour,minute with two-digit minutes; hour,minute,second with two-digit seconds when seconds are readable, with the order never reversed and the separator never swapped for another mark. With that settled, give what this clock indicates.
9,21
